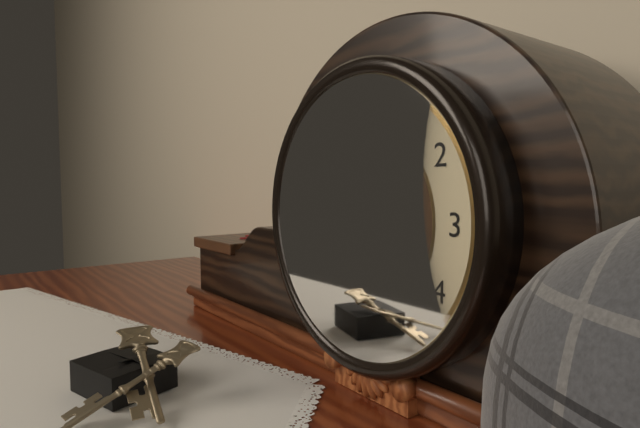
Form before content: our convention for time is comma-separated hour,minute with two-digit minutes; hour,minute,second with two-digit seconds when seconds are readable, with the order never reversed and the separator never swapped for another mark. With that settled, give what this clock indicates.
11,01
